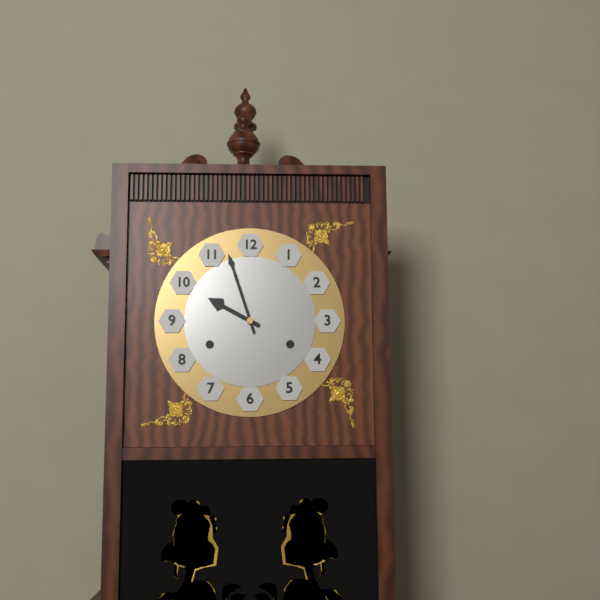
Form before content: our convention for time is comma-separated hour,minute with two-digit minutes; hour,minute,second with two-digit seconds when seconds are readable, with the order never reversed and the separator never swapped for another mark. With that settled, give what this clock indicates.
9,57
